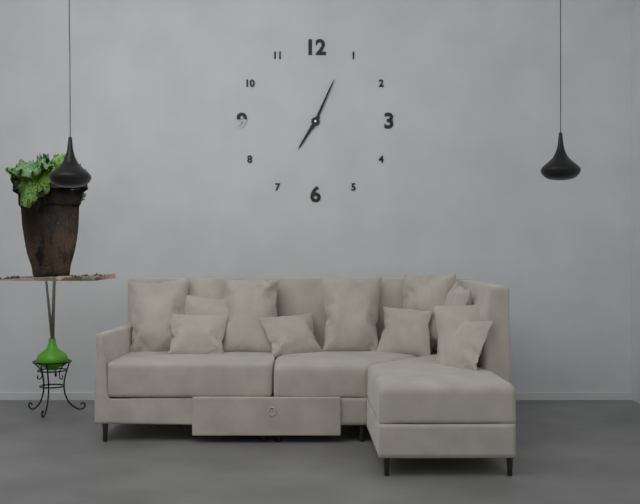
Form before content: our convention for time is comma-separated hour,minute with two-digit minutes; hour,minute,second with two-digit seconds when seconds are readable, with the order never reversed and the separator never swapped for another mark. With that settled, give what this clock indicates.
7,04
